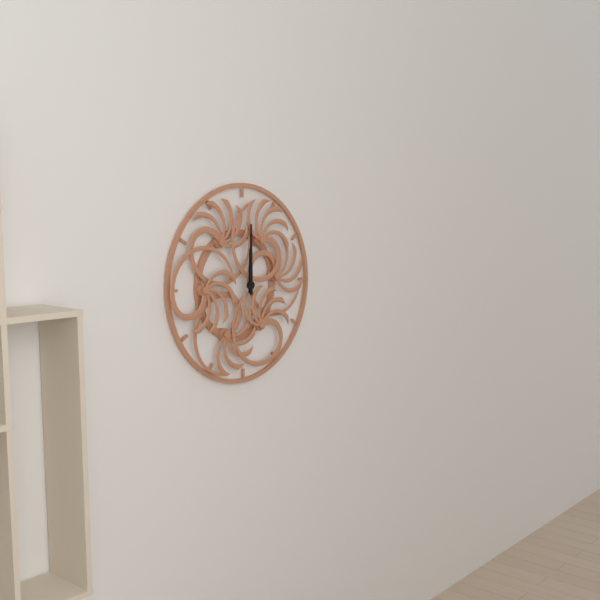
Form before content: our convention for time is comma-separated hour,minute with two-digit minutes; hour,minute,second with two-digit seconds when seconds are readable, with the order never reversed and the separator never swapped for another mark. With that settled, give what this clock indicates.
12,00
